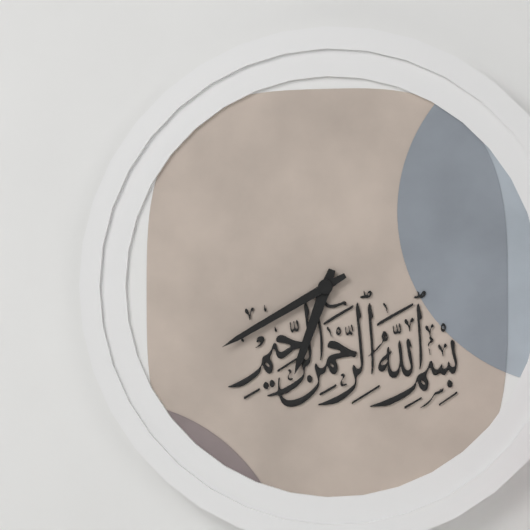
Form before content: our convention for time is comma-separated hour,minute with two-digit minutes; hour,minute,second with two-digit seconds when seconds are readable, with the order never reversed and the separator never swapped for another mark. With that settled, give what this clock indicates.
6,40
